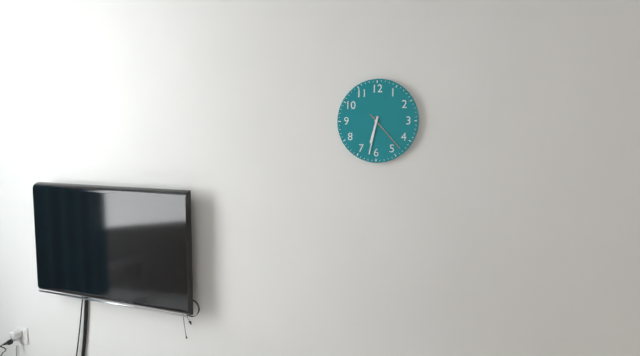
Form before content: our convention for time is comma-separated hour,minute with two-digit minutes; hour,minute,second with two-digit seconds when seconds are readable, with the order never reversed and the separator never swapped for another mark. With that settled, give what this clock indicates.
6,32
